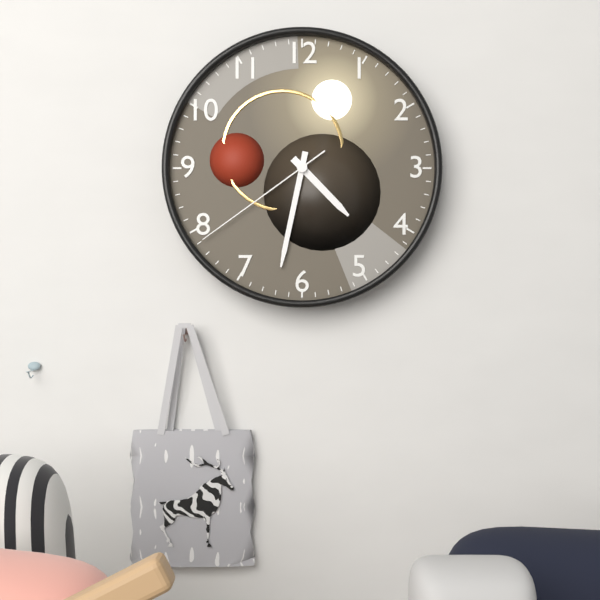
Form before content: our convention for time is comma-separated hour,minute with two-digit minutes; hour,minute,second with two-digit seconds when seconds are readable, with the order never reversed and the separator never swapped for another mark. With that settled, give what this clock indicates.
4,32,39
